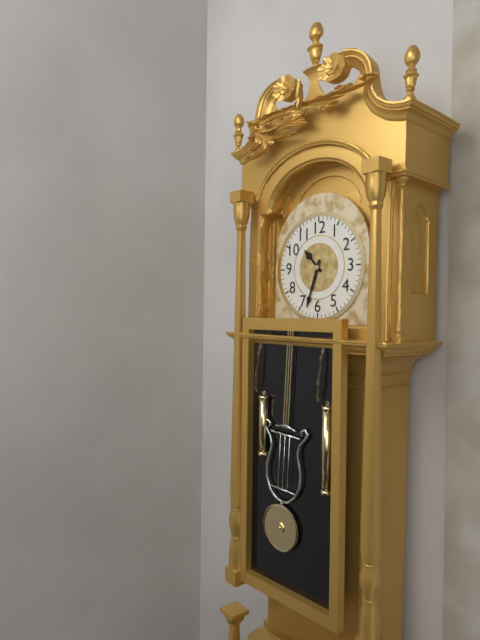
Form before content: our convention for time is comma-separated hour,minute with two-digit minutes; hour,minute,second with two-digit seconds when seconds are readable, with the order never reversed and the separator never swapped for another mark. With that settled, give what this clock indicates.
10,33
